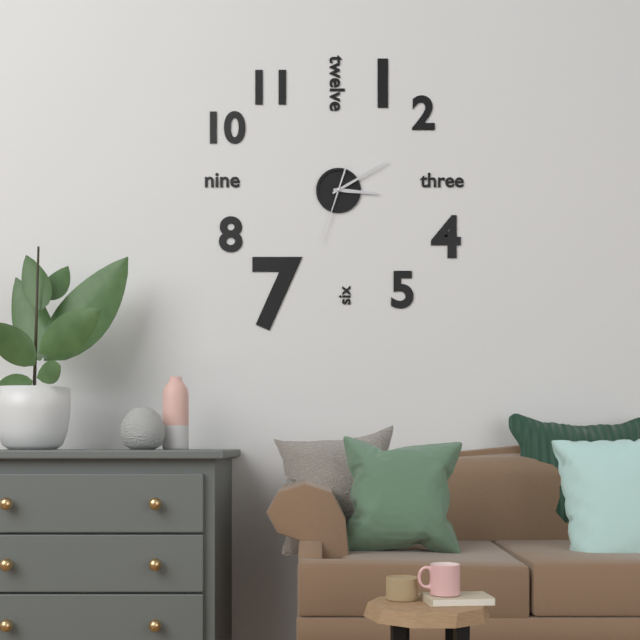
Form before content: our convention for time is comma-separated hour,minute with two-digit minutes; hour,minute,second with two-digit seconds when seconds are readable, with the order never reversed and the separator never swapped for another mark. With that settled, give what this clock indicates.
3,10,33
